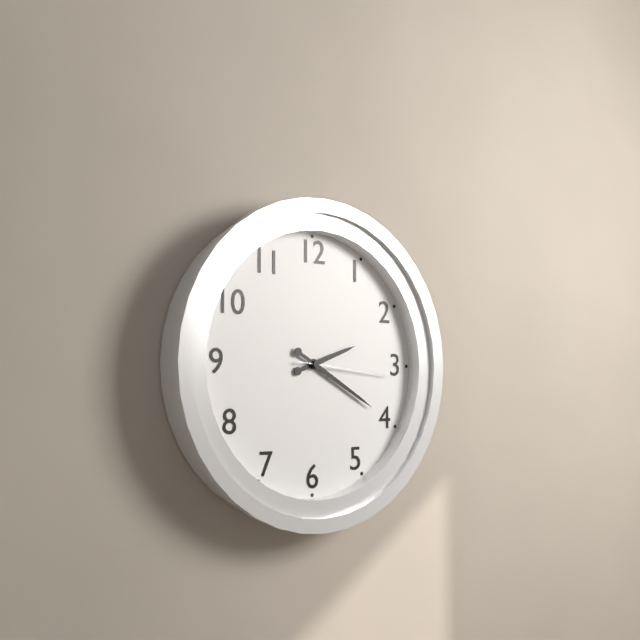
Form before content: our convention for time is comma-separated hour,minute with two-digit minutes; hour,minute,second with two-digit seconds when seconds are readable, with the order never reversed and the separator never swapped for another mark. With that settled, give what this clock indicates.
2,20,16
